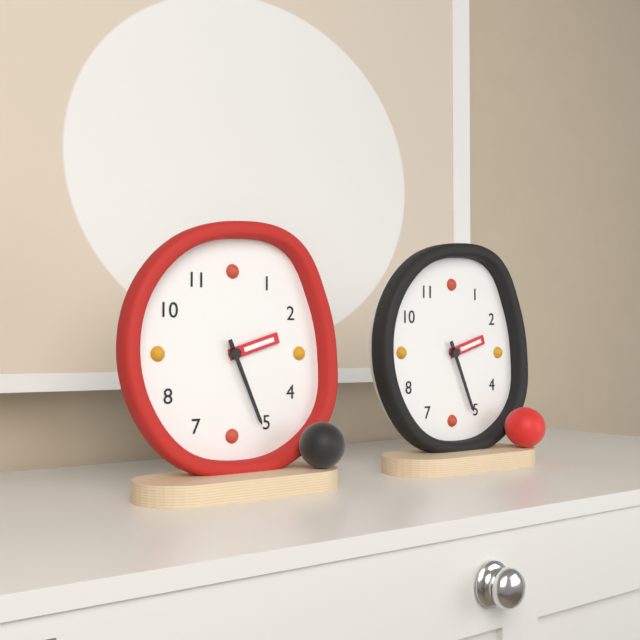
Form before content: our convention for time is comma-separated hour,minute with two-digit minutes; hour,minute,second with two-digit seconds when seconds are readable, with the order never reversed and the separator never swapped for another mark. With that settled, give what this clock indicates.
2,26
